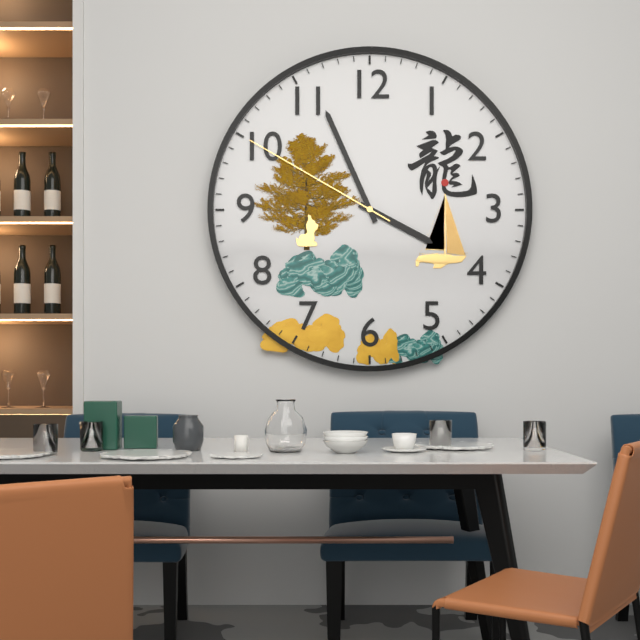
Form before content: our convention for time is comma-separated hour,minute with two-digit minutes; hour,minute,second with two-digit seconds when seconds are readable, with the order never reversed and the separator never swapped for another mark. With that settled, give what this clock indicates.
3,56,50
